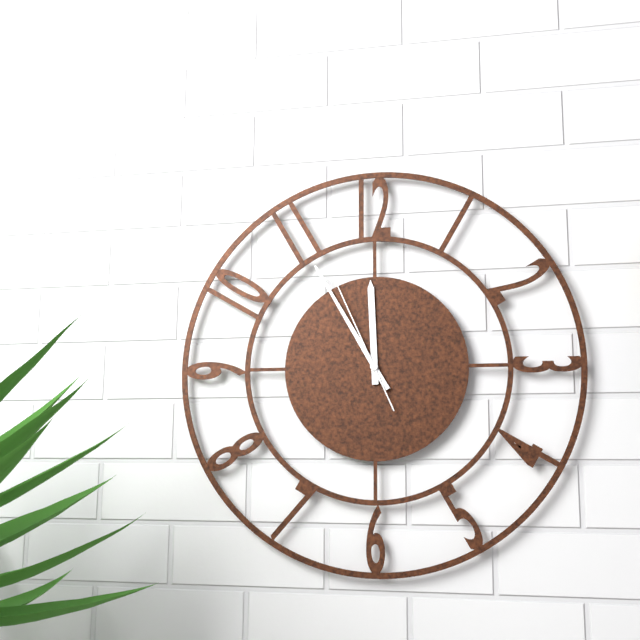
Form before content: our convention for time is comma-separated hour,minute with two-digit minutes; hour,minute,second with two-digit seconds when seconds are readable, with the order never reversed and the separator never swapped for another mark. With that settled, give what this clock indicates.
11,55,56
